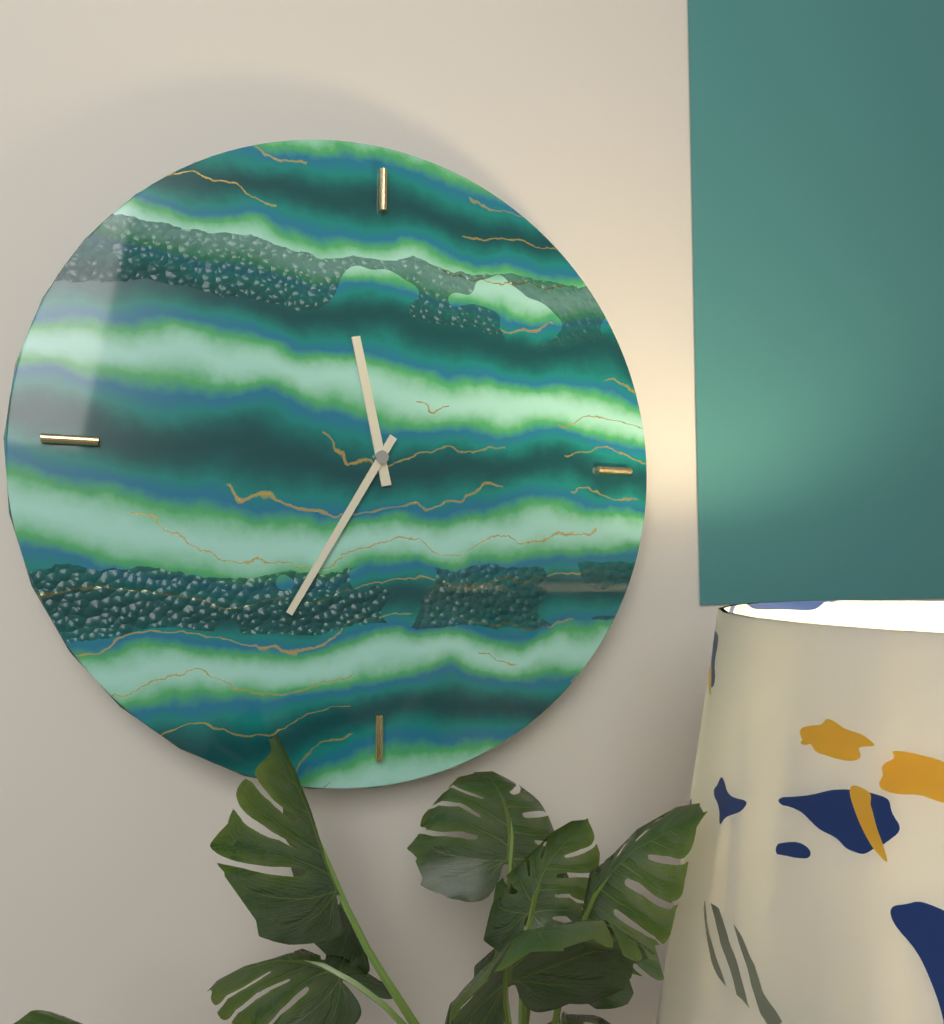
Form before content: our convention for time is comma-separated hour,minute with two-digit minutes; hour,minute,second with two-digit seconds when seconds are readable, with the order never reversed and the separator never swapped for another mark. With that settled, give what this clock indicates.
11,35
